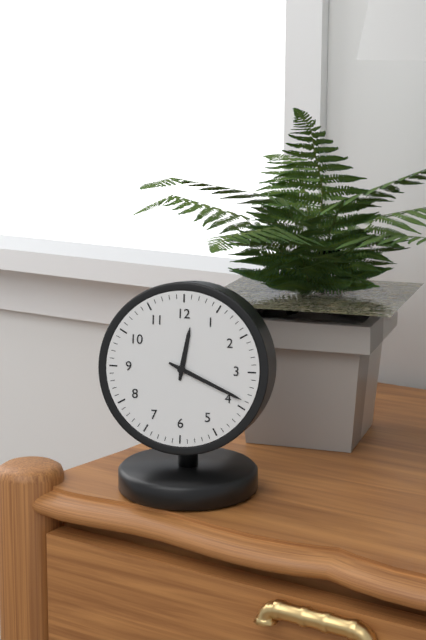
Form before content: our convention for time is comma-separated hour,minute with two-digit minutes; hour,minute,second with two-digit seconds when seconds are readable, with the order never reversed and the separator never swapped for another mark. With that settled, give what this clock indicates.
12,19
